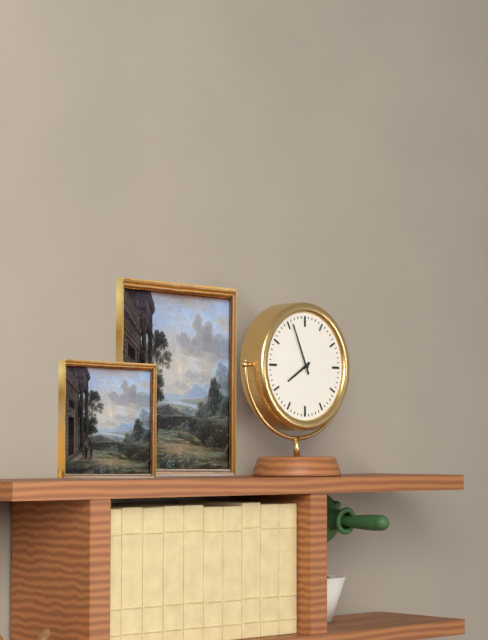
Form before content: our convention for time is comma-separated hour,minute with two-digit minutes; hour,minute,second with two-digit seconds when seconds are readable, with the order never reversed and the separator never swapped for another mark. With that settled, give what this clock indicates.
7,56
